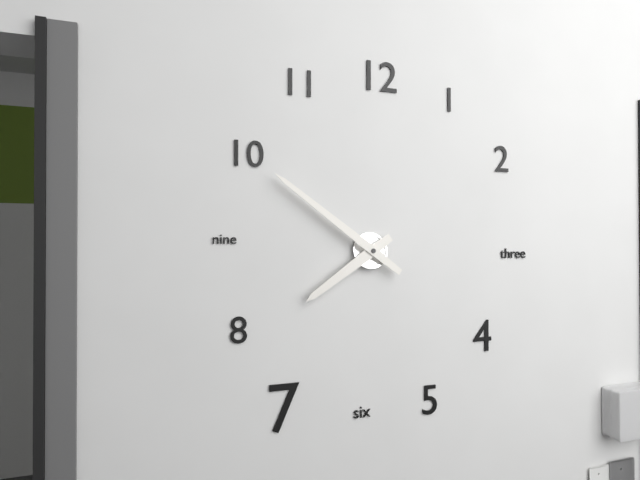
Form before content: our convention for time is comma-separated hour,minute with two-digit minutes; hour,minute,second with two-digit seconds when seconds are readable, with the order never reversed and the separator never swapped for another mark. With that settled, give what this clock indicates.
7,51
